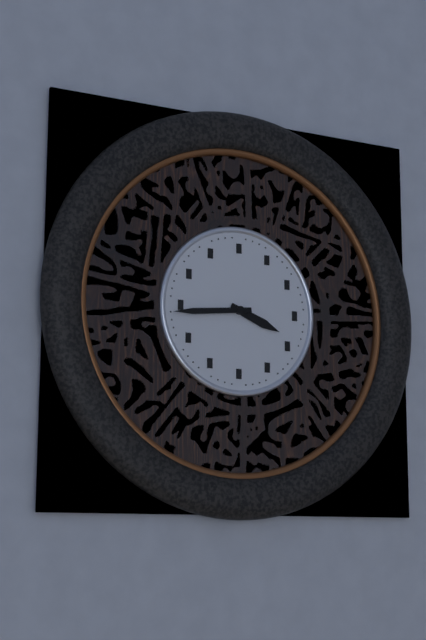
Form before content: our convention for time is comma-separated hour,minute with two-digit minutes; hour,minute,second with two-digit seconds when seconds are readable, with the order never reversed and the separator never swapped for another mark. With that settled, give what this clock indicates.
3,44
